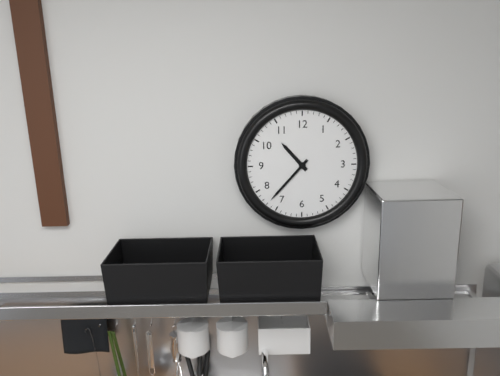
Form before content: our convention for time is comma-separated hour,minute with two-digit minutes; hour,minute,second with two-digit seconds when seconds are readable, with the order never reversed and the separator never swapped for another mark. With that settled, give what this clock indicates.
10,37
